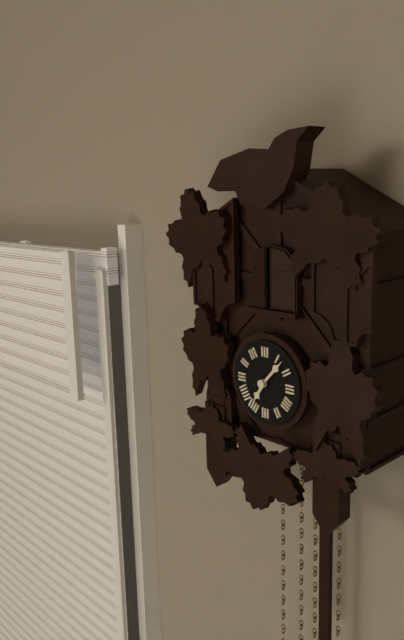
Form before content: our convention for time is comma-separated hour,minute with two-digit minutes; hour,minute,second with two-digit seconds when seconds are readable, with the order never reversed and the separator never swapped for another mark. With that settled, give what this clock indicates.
7,07
